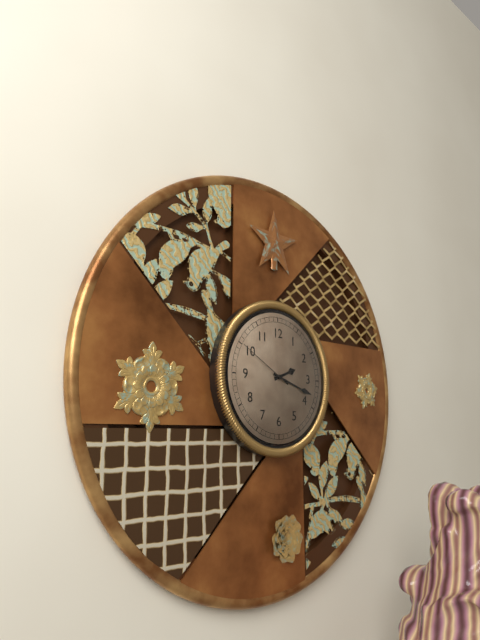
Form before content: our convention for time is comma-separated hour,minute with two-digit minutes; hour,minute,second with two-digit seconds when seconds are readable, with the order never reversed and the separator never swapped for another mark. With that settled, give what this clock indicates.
2,18
